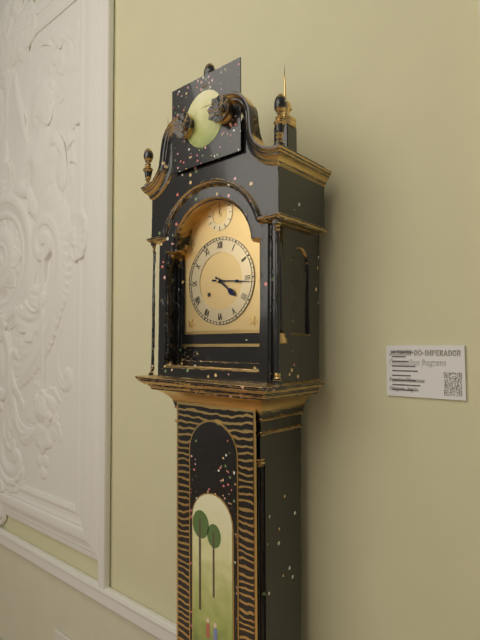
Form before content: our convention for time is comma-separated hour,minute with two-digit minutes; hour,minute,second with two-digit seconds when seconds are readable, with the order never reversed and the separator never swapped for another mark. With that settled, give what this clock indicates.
4,16
